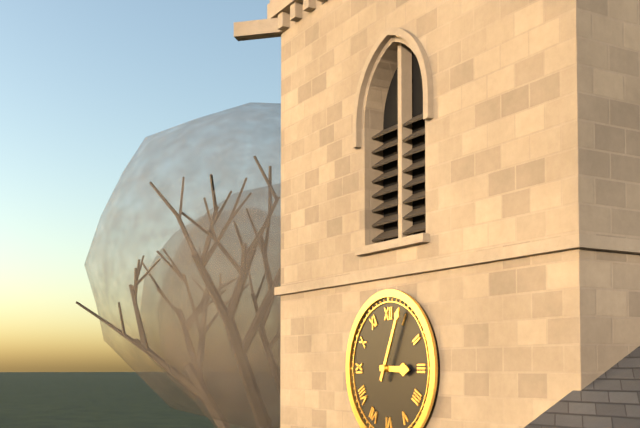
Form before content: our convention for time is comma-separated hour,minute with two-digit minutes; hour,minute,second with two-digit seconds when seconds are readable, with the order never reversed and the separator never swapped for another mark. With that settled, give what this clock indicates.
3,04
